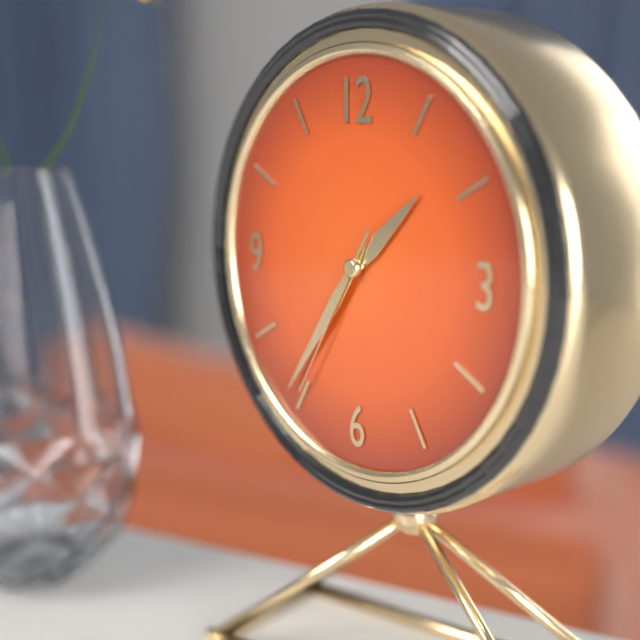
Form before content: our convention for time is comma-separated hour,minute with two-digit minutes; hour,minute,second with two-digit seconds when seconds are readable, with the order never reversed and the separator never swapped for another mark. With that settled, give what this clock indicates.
1,36,35
